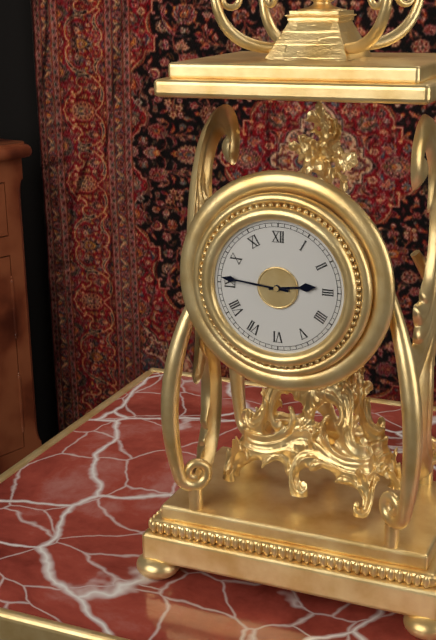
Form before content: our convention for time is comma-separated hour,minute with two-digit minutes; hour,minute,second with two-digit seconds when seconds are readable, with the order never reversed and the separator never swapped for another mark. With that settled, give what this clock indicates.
2,46
